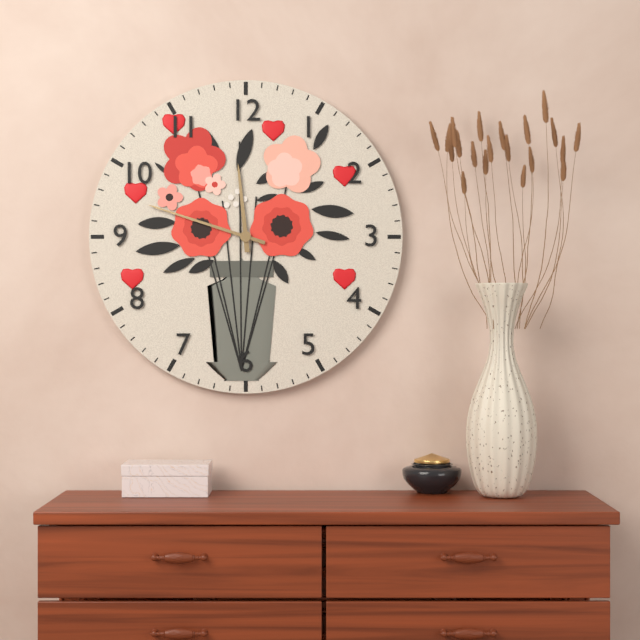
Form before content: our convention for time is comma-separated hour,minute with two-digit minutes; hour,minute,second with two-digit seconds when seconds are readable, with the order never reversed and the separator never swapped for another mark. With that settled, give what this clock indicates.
11,48
